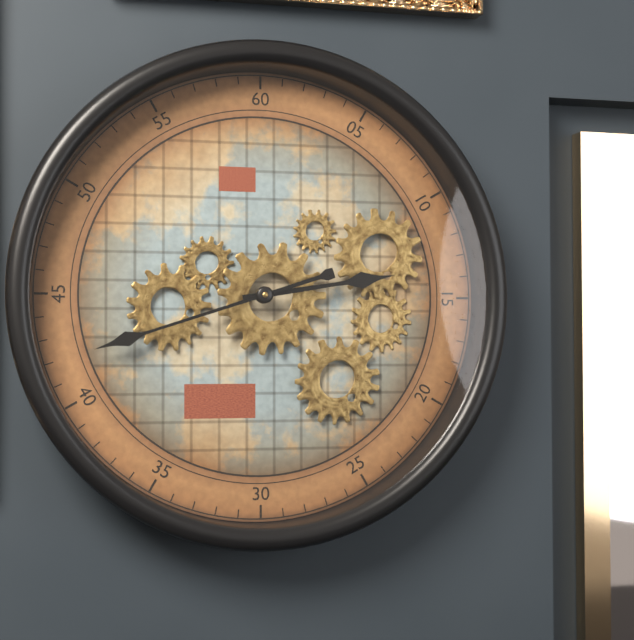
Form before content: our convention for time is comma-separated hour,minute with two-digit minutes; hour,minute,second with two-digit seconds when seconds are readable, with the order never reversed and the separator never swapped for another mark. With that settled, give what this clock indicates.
2,42
